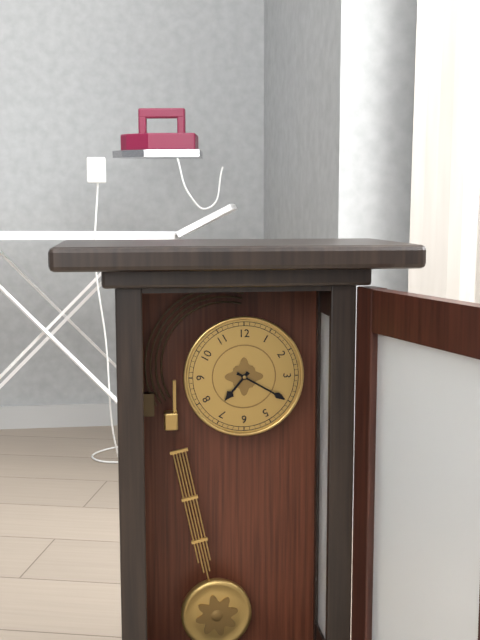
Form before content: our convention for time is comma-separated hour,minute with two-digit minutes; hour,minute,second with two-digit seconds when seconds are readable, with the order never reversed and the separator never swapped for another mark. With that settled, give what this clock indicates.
7,20
